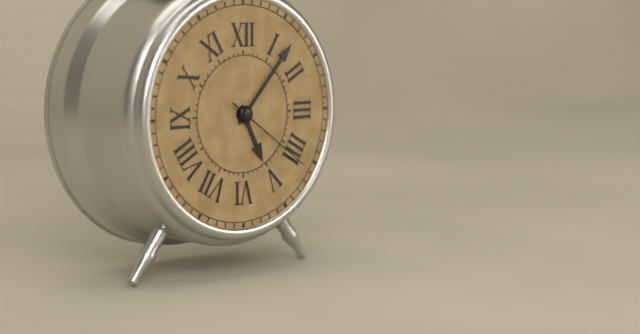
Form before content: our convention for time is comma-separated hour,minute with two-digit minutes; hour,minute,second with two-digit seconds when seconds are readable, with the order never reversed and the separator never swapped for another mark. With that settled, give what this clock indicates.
5,07,21
